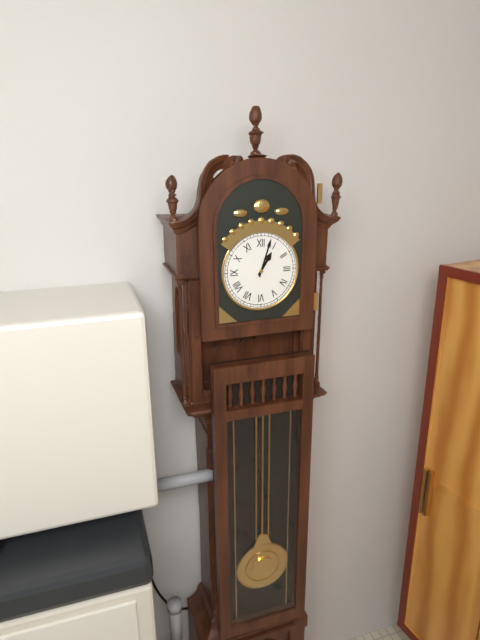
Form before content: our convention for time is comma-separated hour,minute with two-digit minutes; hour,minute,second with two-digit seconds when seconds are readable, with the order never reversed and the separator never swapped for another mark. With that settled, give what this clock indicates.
1,03
